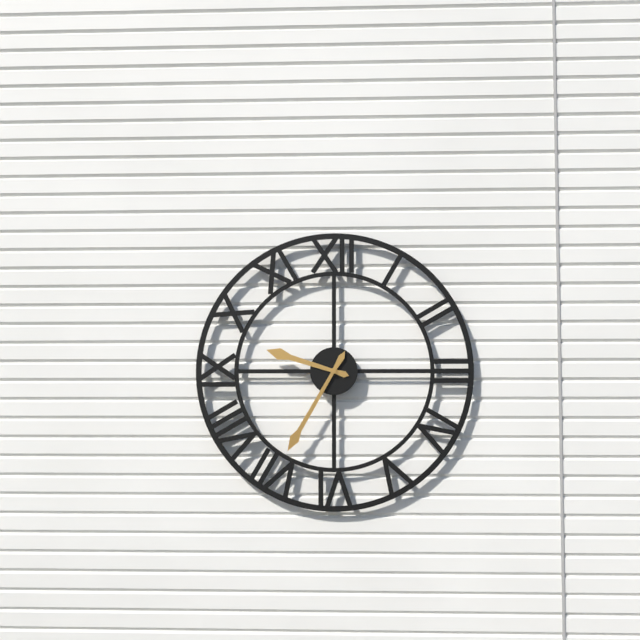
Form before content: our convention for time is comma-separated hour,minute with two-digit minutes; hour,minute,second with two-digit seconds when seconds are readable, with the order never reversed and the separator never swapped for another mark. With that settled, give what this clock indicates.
9,35
